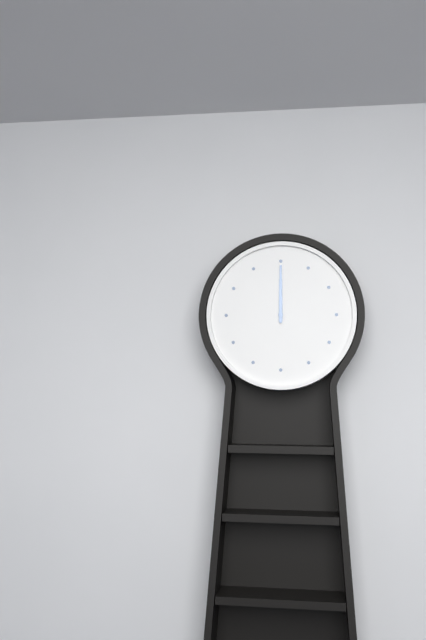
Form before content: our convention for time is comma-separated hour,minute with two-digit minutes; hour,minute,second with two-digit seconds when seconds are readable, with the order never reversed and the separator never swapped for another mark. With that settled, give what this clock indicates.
12,00
